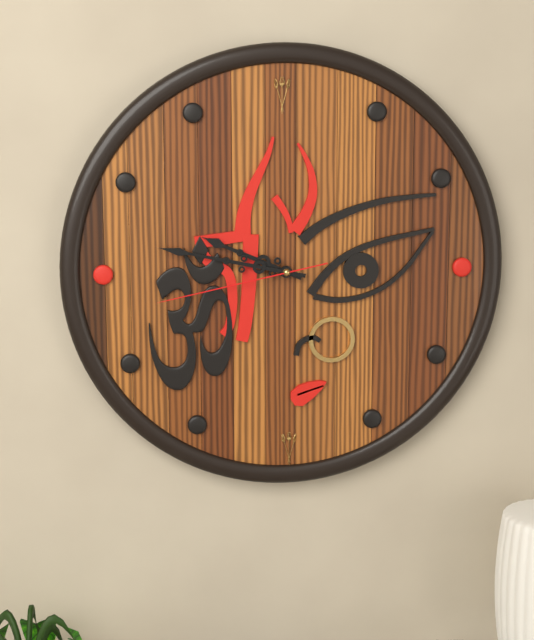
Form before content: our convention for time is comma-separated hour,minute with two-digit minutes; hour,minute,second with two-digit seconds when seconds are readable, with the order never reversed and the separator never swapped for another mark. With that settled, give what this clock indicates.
9,47,43
